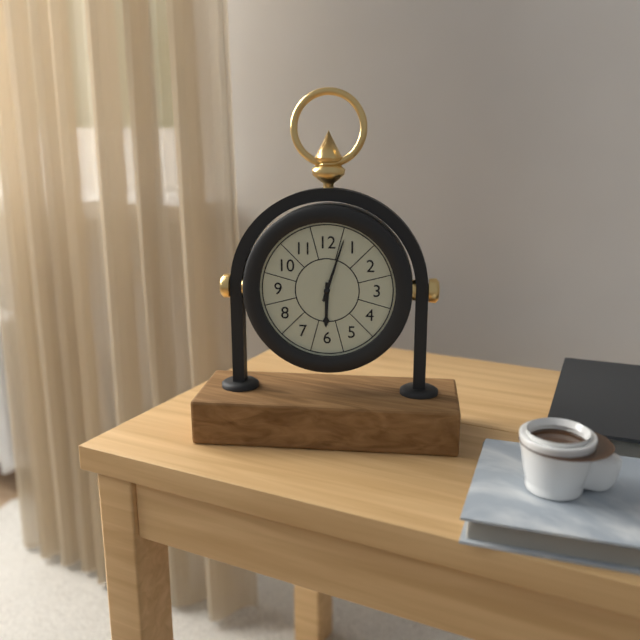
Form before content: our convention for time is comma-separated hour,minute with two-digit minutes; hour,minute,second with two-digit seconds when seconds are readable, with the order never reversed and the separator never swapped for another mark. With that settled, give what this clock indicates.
6,03
